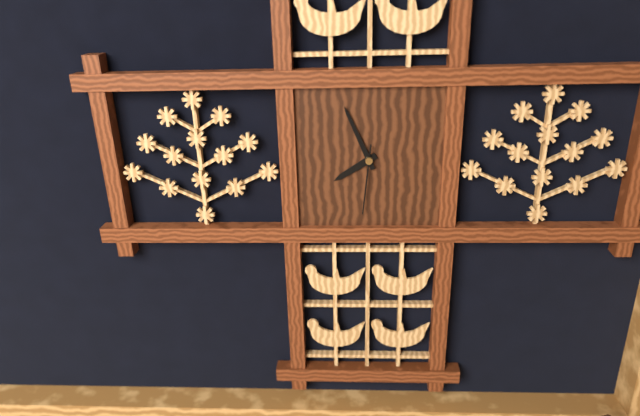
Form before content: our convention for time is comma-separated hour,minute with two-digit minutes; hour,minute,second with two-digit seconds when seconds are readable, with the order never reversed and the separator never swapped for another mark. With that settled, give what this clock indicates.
7,56,31
